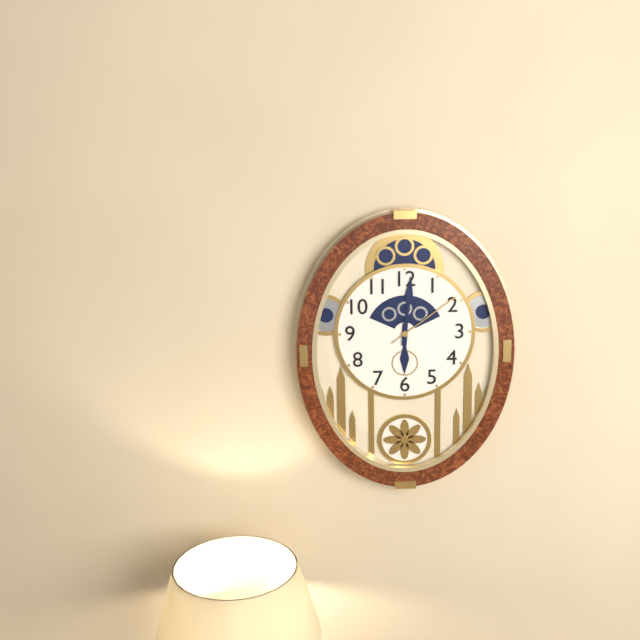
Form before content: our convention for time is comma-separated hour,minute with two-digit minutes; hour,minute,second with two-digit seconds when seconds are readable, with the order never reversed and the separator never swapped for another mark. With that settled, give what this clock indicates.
6,01,09
